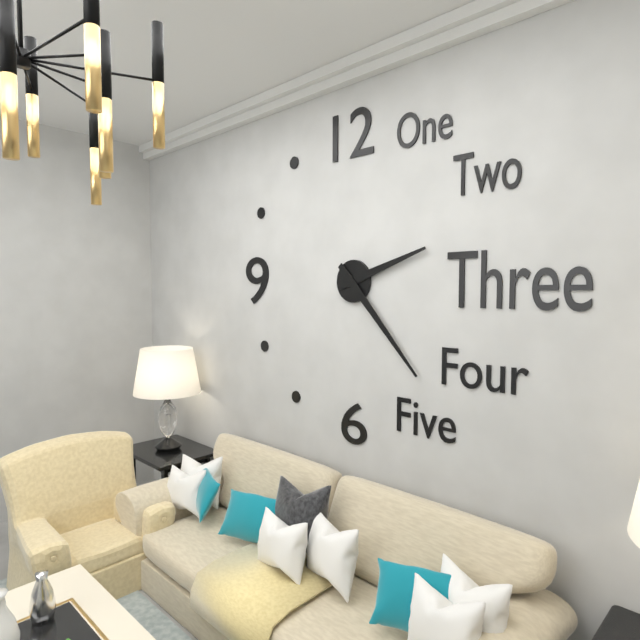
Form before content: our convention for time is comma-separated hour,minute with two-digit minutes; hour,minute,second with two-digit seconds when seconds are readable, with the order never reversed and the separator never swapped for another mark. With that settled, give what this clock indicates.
2,23
